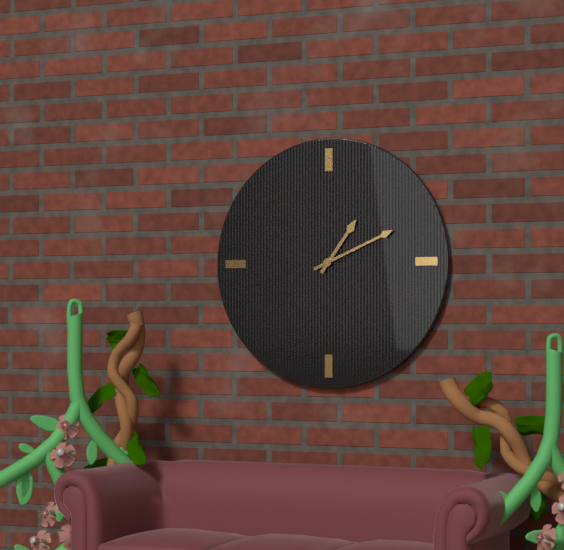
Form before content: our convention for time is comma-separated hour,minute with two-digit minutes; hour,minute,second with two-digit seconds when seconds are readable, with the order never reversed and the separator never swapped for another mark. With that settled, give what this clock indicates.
1,11
